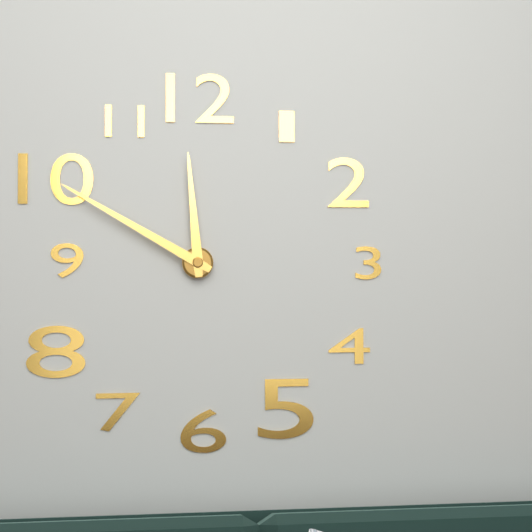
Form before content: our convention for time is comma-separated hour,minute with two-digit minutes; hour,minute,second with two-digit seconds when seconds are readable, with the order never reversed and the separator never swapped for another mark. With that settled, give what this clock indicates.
11,50
